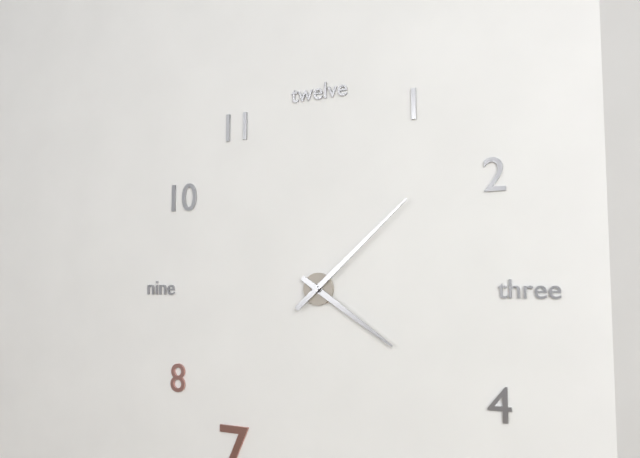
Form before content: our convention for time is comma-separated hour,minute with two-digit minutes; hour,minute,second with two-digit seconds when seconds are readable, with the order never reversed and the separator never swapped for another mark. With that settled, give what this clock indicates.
4,08
